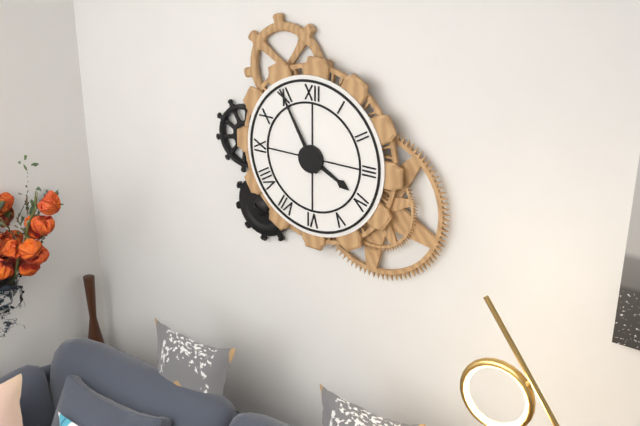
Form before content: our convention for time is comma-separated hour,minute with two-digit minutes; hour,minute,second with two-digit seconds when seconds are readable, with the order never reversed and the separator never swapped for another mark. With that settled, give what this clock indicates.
3,55
